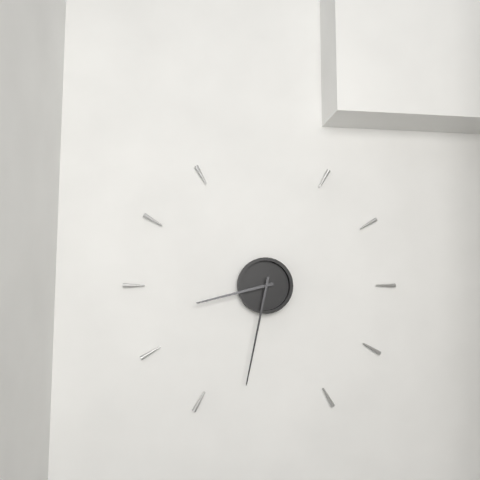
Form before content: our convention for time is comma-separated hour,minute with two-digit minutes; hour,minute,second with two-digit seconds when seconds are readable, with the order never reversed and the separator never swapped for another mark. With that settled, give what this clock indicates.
8,32
